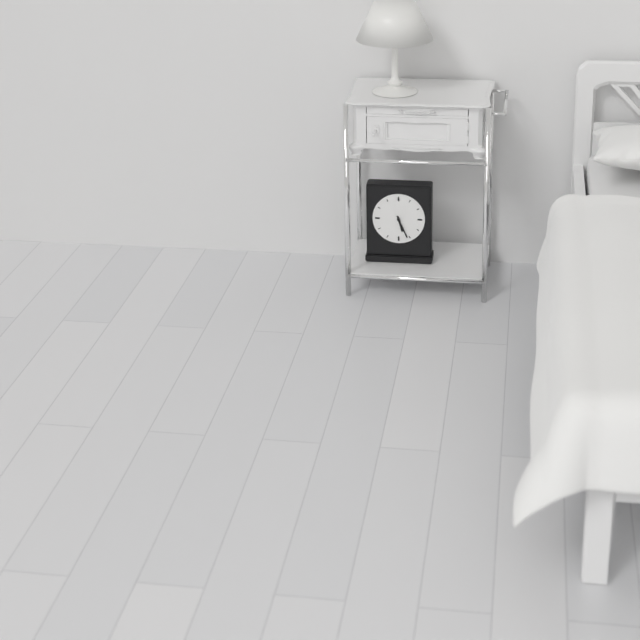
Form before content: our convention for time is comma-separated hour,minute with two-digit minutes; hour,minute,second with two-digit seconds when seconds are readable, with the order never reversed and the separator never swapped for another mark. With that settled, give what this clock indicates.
5,26
